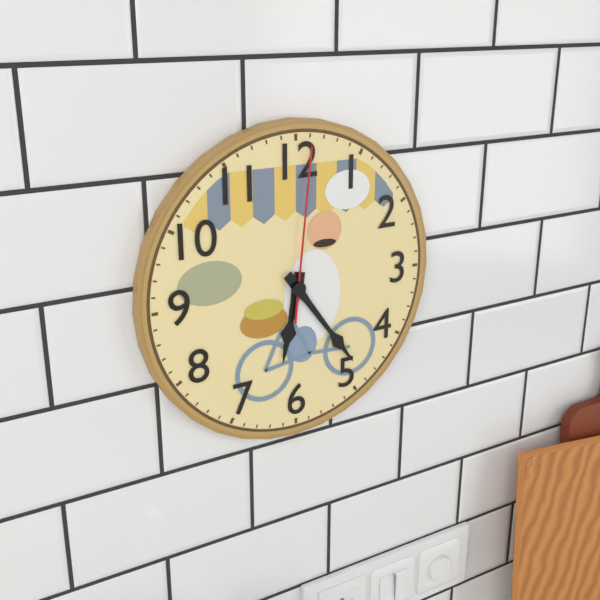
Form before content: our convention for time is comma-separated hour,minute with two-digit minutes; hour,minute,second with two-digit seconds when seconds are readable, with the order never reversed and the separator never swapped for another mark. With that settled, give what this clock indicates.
6,24,01
